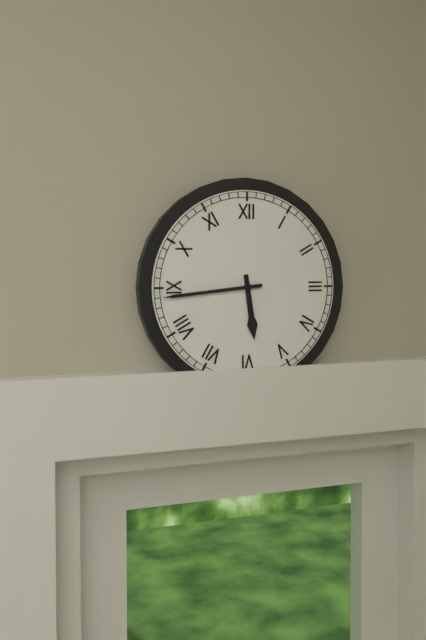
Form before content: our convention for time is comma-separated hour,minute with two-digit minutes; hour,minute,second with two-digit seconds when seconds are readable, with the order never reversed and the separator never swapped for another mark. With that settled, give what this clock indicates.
5,44
